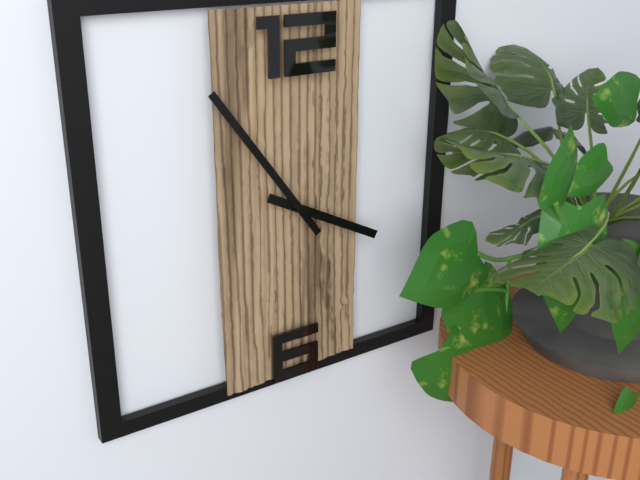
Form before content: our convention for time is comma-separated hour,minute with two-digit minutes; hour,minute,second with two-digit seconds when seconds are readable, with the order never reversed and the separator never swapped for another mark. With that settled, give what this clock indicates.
3,54
